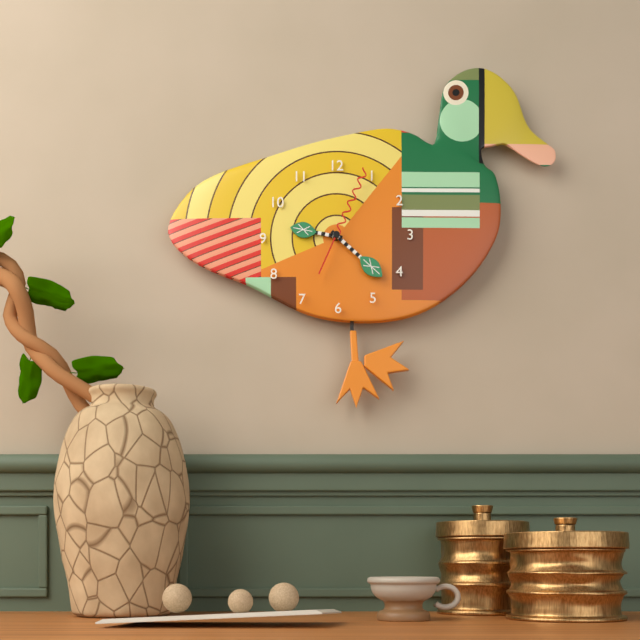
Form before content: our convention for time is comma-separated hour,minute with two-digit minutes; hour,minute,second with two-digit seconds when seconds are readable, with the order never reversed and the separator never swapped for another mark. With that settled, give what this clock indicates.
9,22,04
